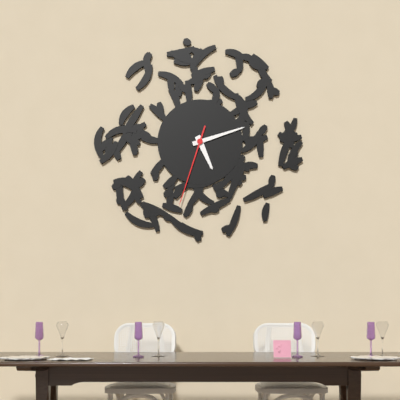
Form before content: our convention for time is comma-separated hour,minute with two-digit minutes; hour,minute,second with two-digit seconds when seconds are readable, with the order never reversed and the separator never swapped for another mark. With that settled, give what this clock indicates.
5,12,33
